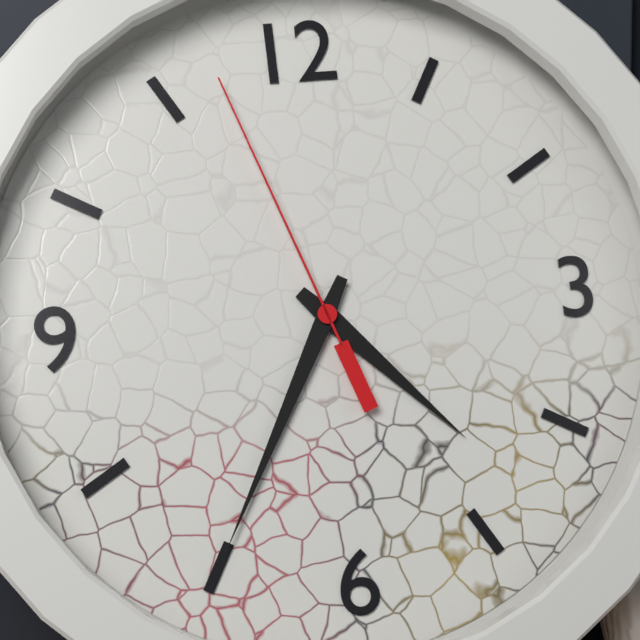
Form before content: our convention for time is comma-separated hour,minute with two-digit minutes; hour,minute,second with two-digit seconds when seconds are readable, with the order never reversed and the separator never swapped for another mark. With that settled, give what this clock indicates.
4,35,57
